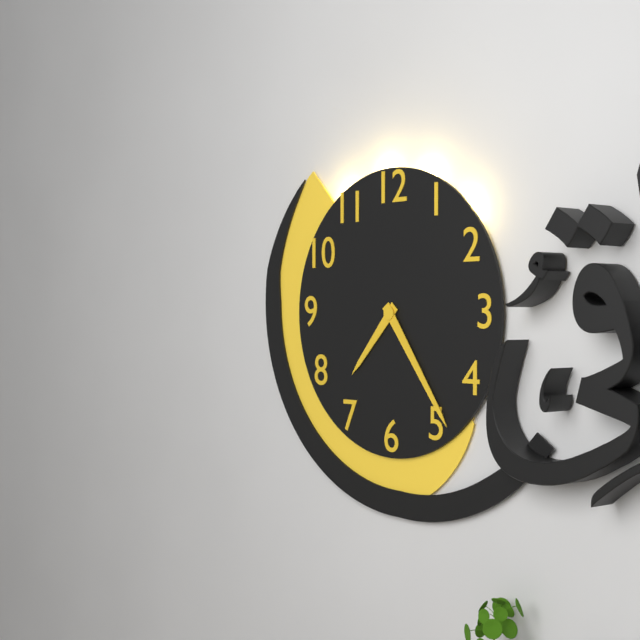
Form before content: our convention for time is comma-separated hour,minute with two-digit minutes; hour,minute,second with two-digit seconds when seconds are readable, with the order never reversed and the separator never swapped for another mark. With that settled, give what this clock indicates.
7,24
